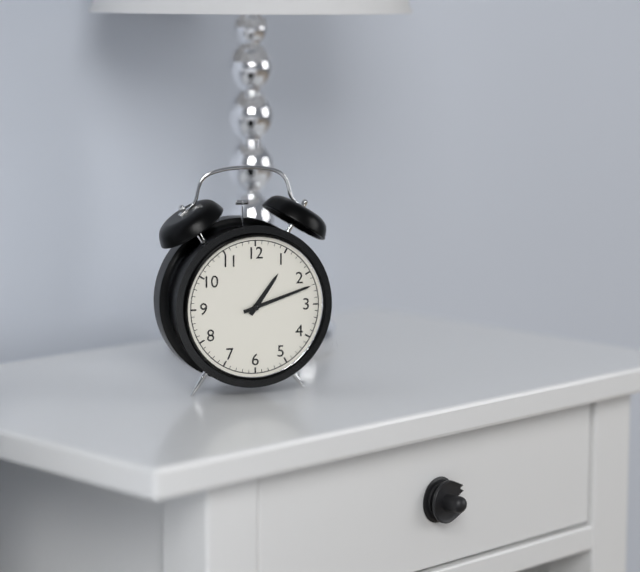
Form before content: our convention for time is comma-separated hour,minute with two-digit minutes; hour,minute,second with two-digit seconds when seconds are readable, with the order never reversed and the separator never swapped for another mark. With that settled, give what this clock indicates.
1,12
